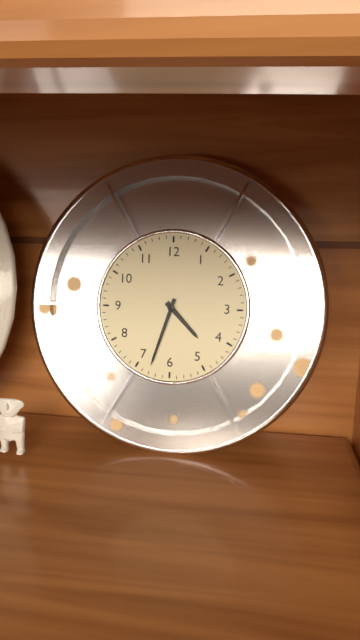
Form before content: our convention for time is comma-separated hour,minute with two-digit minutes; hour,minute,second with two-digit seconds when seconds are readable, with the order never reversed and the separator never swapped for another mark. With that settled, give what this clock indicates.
4,33
